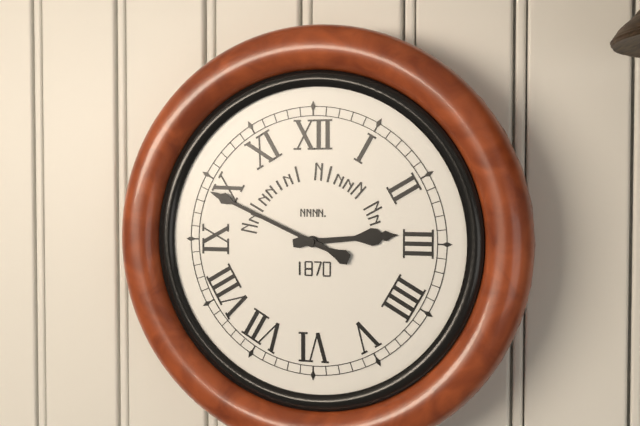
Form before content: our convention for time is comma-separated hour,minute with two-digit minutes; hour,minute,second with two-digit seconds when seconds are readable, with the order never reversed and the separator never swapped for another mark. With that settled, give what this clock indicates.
2,49
